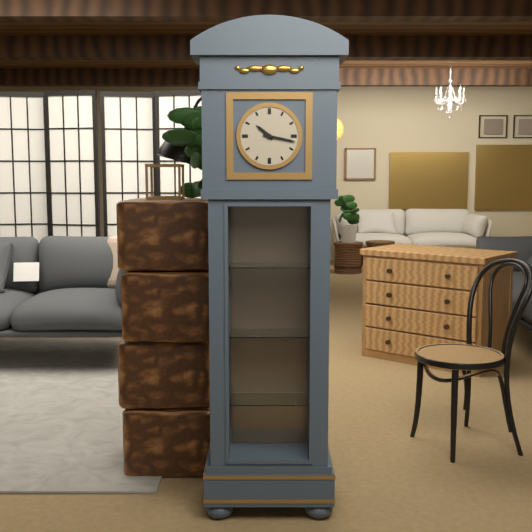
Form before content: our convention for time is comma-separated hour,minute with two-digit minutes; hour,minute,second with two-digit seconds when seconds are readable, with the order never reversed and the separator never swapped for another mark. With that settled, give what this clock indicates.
10,17
